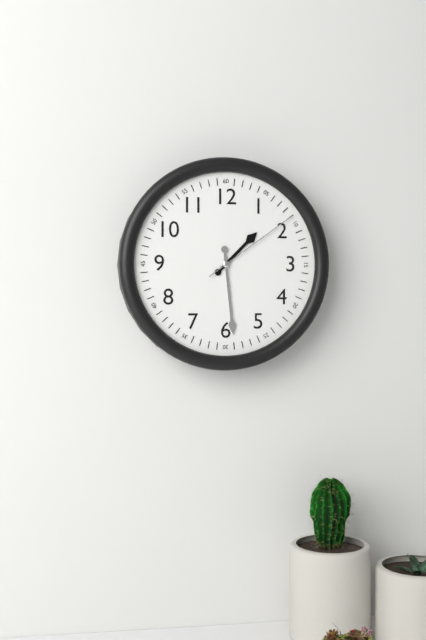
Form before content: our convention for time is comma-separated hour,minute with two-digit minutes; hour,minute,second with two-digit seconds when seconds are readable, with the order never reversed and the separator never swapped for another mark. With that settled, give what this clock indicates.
1,29,09
